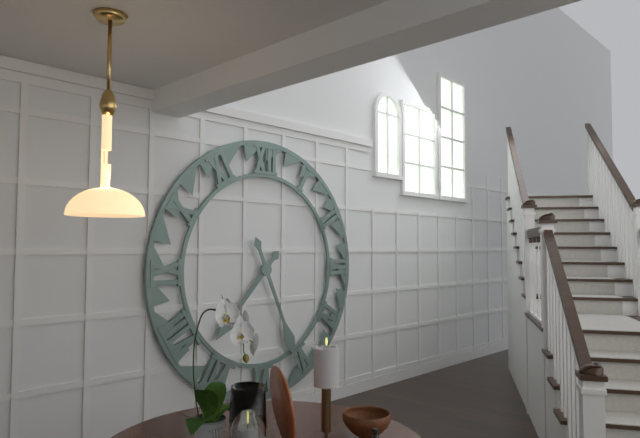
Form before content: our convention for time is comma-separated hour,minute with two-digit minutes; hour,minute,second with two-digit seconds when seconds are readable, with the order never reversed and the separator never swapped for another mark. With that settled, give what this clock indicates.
7,26
